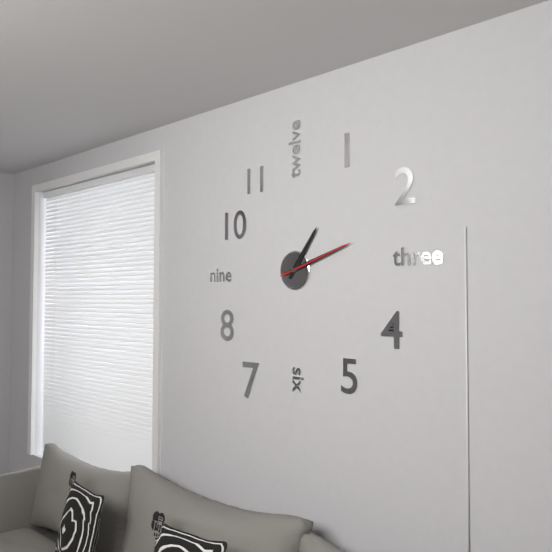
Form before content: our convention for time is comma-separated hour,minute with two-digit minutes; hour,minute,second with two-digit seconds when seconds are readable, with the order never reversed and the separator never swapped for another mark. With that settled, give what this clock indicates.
1,12,12
